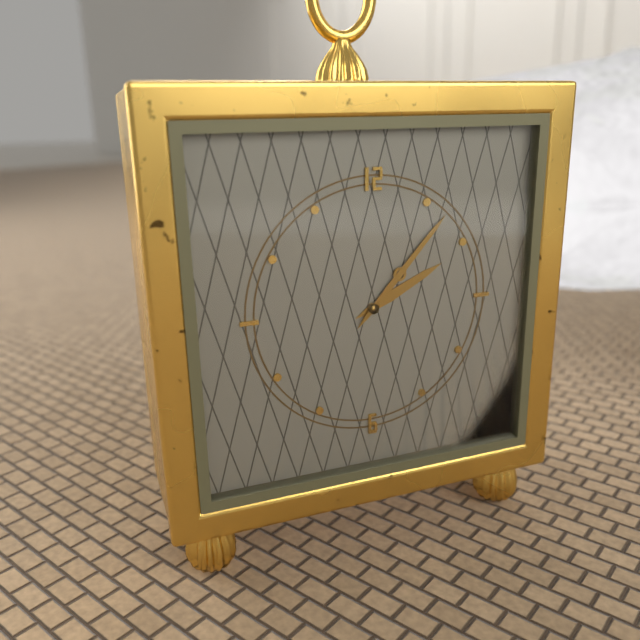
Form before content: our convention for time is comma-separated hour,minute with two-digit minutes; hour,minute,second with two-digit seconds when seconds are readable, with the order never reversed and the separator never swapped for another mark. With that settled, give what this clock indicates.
2,07
